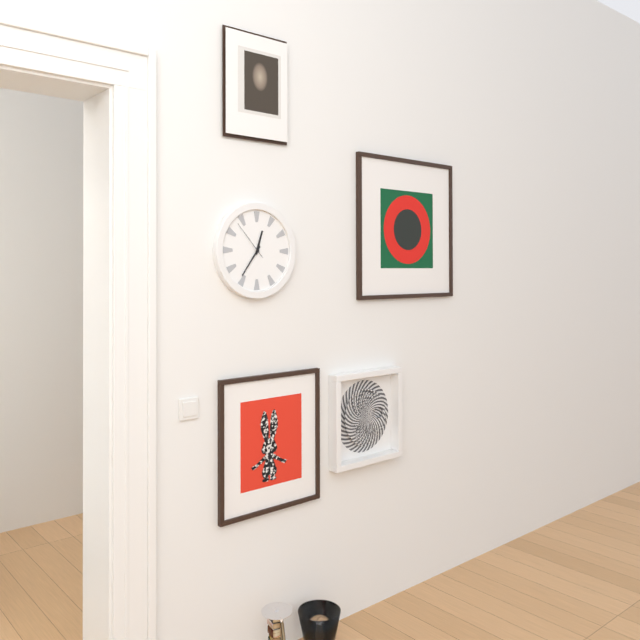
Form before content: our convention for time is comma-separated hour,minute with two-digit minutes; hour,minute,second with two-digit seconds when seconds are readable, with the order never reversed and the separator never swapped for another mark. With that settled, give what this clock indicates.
12,36
